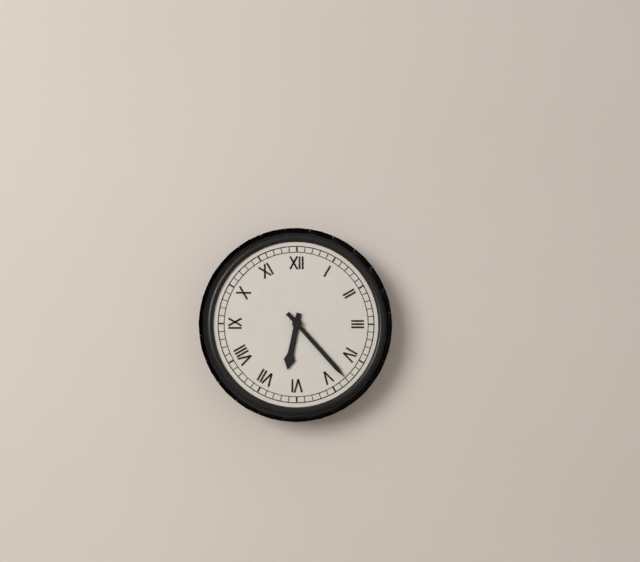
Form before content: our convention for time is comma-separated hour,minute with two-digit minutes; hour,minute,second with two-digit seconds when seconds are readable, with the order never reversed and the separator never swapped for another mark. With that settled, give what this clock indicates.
6,23
